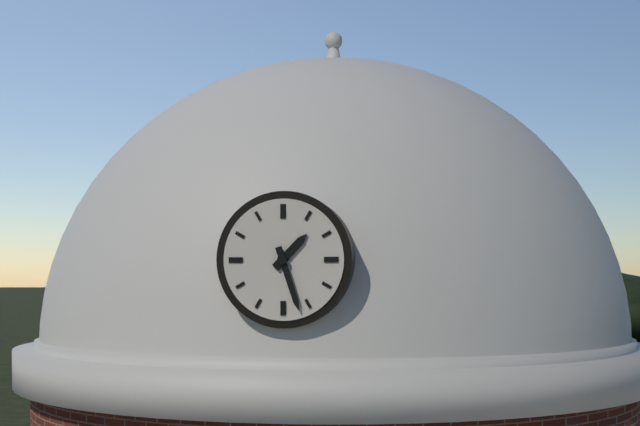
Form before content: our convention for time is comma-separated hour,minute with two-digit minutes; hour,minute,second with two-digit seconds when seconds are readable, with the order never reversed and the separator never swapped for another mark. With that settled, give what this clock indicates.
1,27
